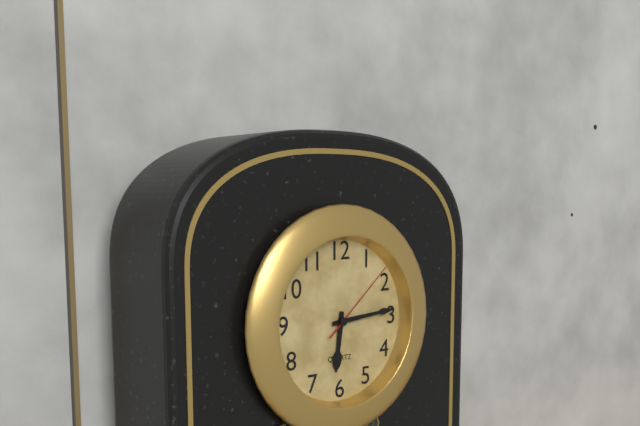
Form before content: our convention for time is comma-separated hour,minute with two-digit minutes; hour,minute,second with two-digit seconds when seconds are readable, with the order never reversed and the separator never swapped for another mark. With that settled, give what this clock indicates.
6,14,08
